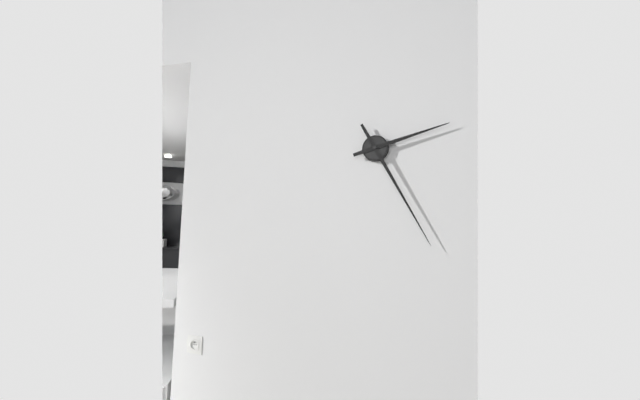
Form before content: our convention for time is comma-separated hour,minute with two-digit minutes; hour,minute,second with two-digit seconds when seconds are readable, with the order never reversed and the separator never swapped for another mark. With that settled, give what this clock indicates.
2,25
